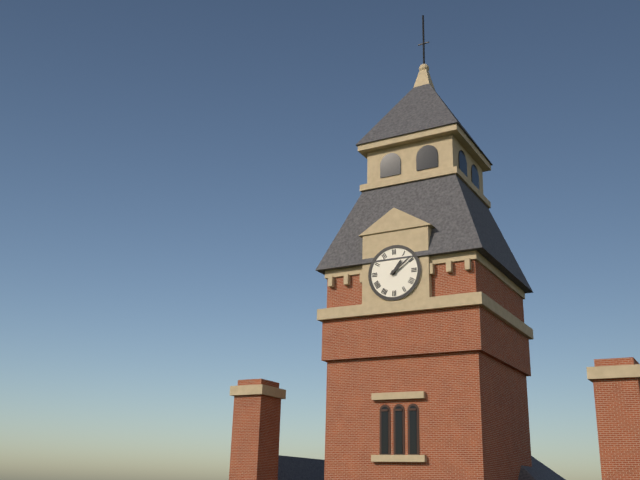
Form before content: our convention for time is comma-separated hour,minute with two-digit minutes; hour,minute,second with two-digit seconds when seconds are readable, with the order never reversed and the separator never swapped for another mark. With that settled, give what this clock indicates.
1,09
